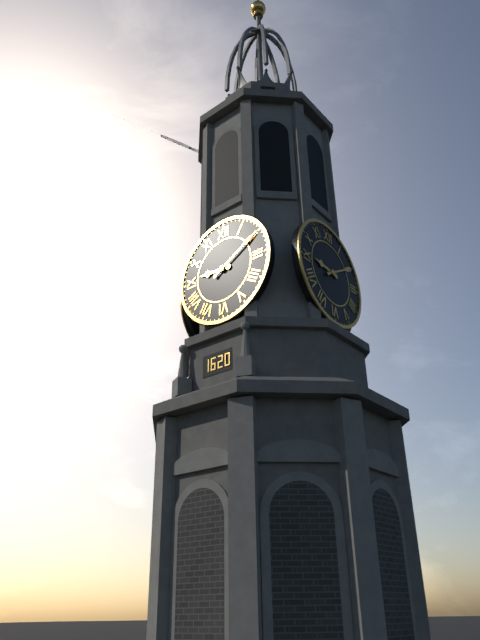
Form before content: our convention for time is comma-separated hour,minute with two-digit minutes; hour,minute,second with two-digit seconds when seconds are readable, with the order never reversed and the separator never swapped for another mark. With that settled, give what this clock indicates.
9,10
